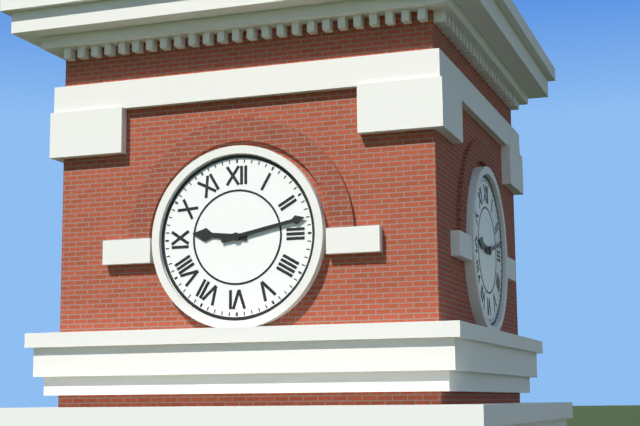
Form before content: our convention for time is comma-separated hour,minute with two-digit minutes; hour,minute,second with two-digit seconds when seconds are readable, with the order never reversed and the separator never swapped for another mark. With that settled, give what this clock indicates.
9,13
